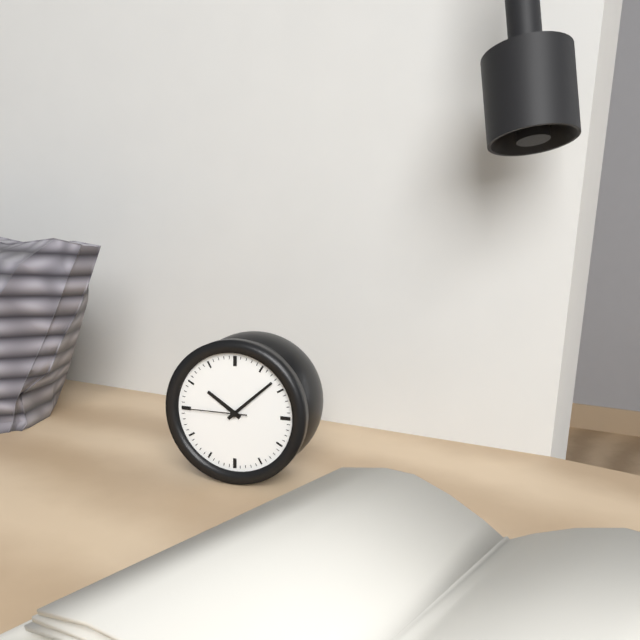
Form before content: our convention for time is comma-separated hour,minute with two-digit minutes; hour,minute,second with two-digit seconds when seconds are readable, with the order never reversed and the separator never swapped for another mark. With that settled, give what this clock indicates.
10,08,45
